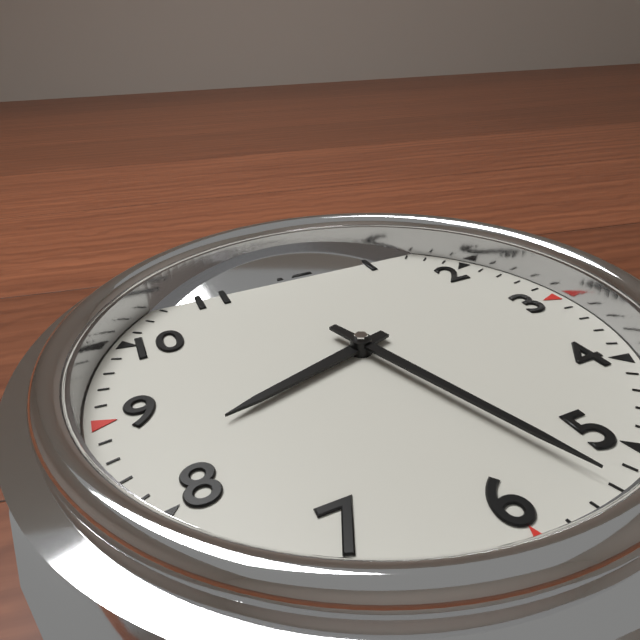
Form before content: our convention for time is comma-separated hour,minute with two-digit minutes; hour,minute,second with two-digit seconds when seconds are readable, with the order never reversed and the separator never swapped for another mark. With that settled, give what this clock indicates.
8,27
